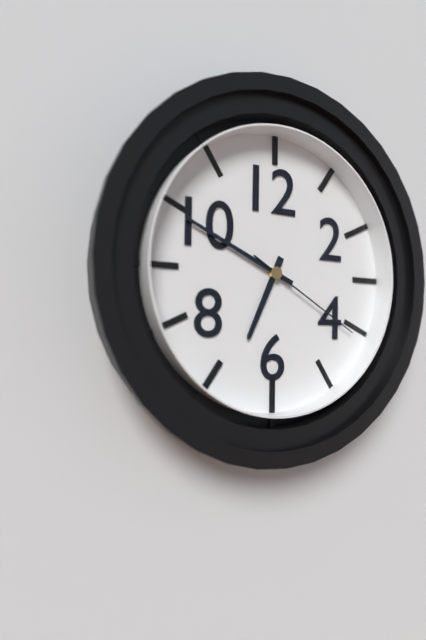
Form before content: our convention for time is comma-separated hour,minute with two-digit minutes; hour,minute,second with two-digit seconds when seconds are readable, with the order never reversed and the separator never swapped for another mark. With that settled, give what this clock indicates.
6,49,20
